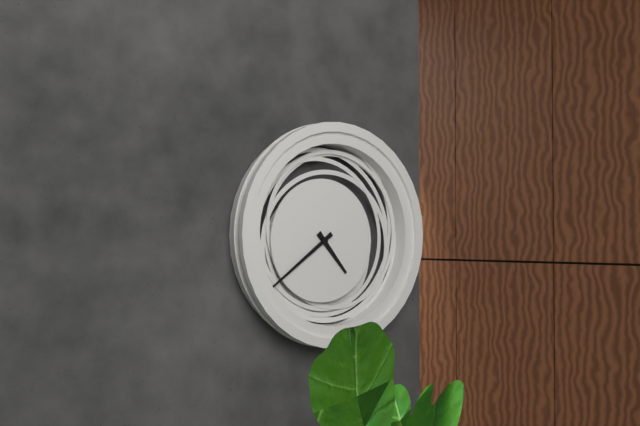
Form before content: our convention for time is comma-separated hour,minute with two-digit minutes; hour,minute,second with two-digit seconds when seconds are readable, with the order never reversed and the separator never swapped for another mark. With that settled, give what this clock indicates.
4,39
